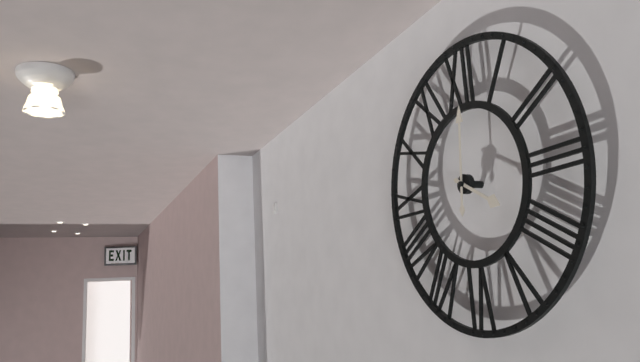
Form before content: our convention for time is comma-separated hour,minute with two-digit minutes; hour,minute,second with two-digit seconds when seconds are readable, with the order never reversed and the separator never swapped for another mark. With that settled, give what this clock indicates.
4,01
